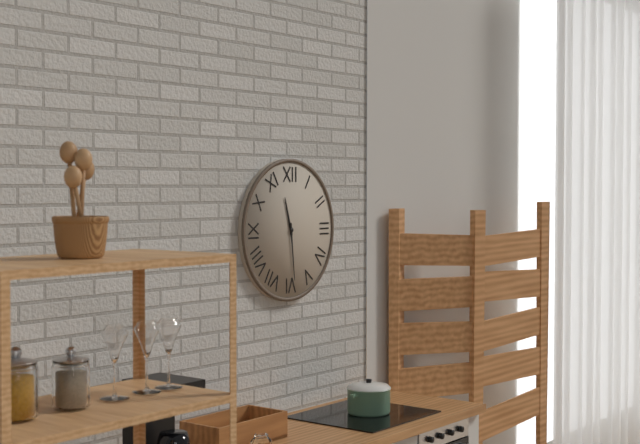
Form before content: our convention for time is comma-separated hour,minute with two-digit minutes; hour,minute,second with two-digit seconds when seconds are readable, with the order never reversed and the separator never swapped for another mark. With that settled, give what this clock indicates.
11,29
